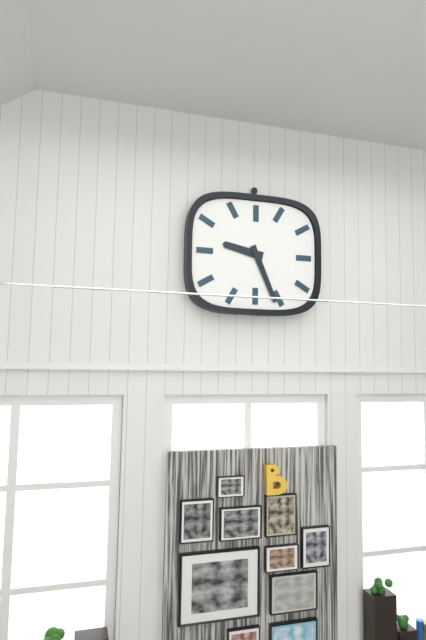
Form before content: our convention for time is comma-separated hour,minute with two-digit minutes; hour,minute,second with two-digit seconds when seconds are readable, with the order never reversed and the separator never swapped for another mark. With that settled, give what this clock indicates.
9,26
